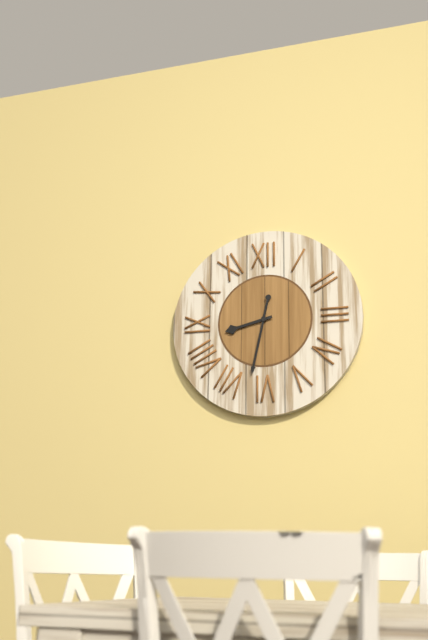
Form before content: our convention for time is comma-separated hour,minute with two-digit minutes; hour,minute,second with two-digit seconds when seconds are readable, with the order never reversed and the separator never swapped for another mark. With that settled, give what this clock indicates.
8,32
